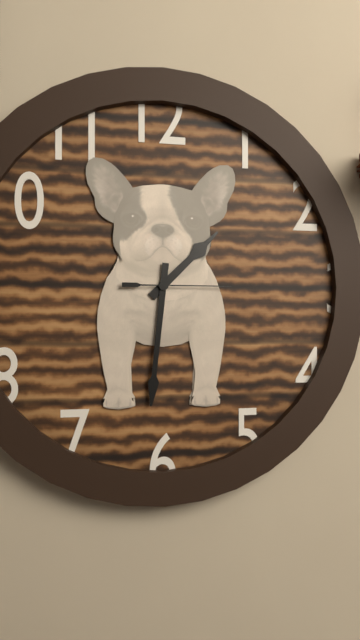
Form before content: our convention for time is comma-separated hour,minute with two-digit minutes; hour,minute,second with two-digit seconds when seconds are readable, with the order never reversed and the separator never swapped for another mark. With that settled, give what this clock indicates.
1,31,15
